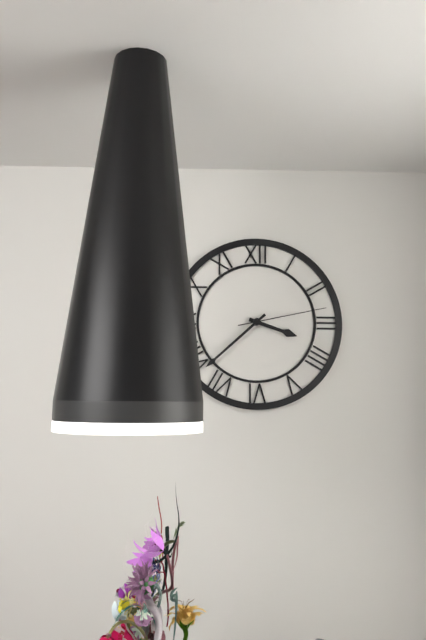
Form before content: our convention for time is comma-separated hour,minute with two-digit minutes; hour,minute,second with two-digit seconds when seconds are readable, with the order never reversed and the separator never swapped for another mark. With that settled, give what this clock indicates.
3,38,13
